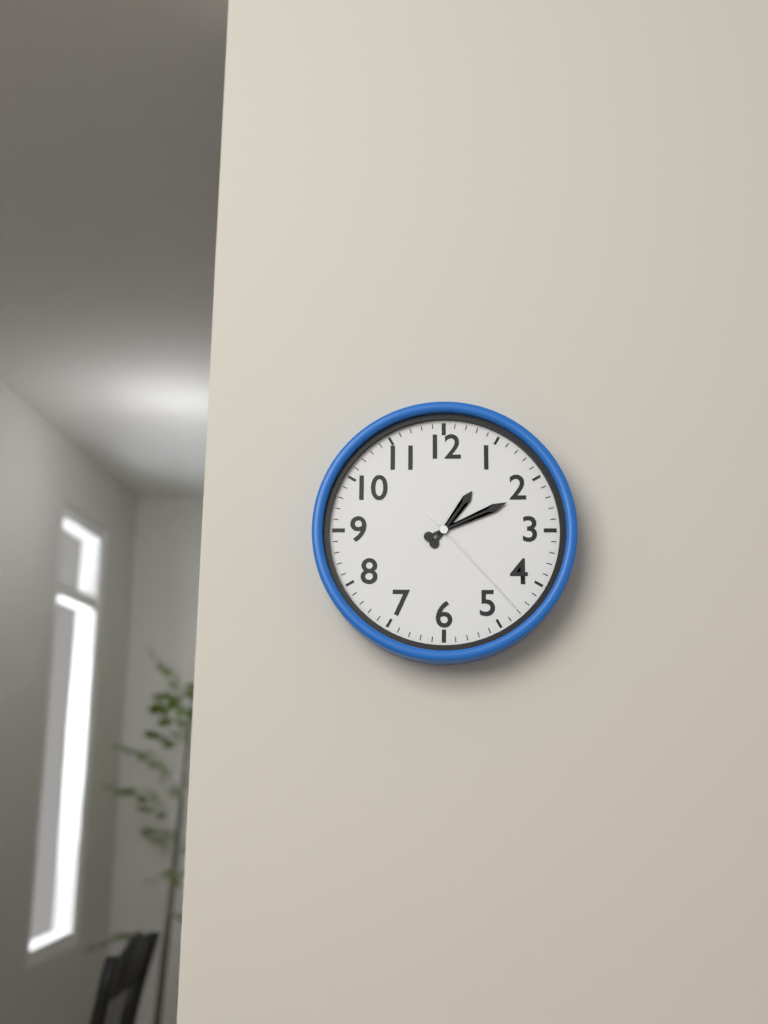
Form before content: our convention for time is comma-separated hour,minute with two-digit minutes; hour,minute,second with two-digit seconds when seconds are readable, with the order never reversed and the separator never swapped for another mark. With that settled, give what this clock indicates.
1,11,23
